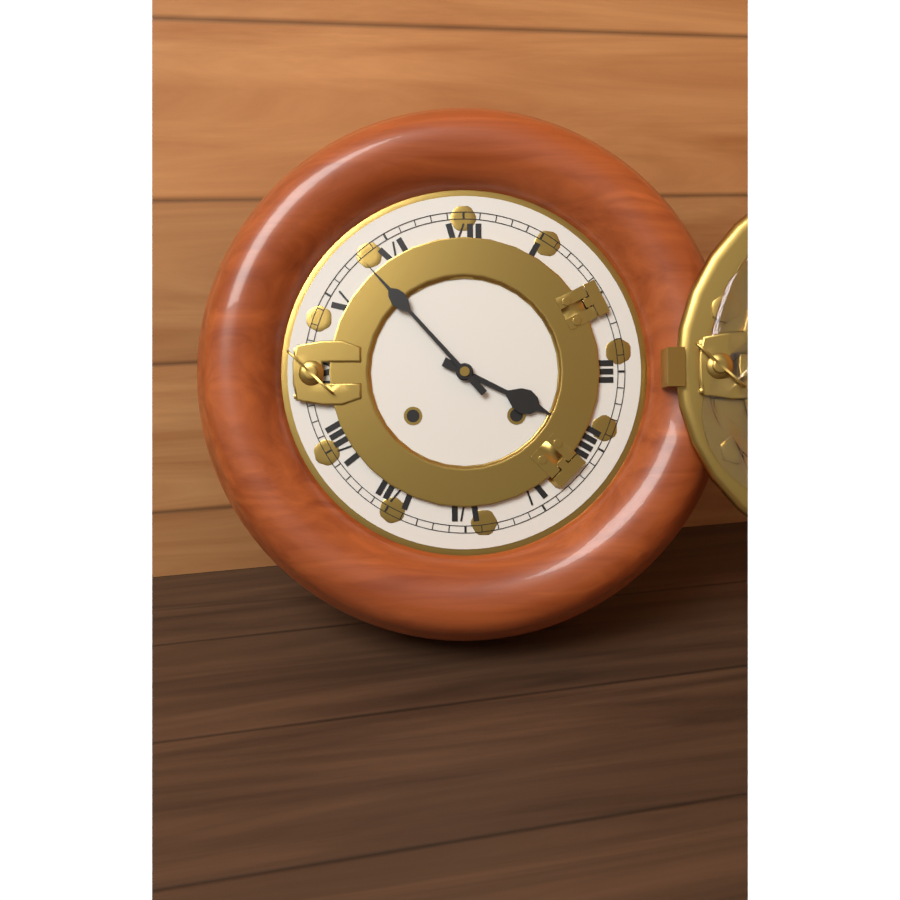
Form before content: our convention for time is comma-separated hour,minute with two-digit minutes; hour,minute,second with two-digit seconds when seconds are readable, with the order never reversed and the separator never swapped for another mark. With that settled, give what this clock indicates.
3,53
